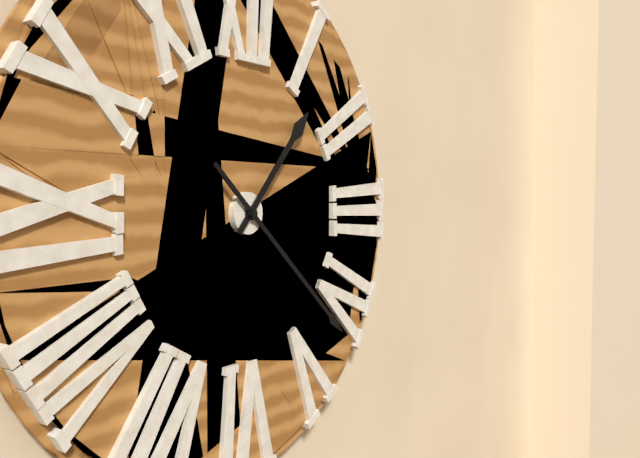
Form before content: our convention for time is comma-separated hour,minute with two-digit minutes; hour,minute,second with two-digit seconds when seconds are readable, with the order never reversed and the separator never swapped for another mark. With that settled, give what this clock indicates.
1,22
